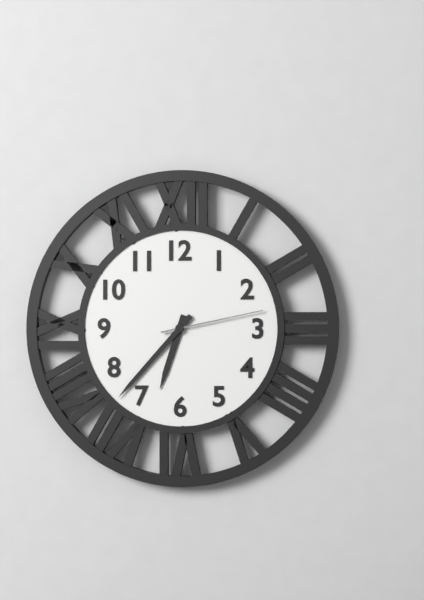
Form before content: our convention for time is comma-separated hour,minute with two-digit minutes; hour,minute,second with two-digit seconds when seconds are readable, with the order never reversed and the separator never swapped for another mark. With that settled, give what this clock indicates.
6,37,13
